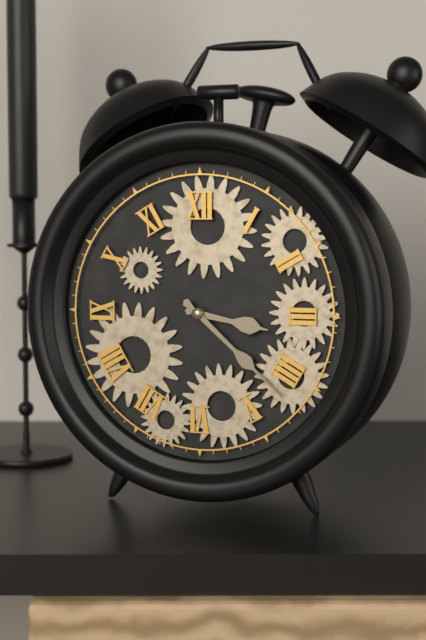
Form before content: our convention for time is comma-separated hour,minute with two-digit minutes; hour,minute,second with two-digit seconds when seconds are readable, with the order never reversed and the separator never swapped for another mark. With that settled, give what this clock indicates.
3,22
